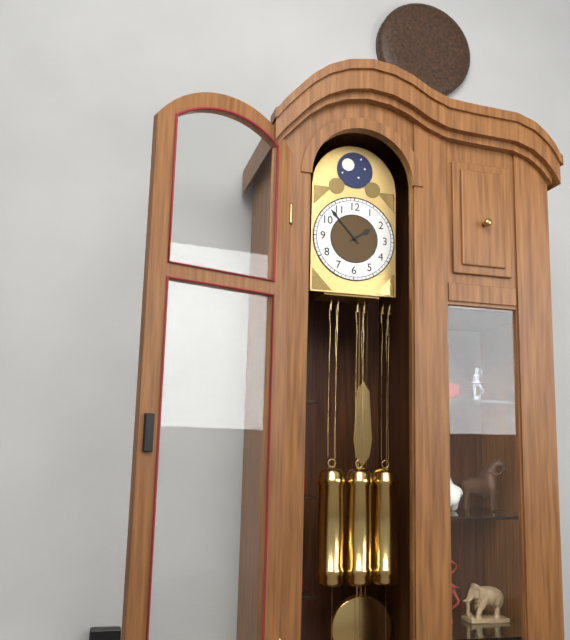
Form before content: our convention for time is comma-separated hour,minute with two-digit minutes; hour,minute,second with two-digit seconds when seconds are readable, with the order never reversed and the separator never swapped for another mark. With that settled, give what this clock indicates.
1,53
